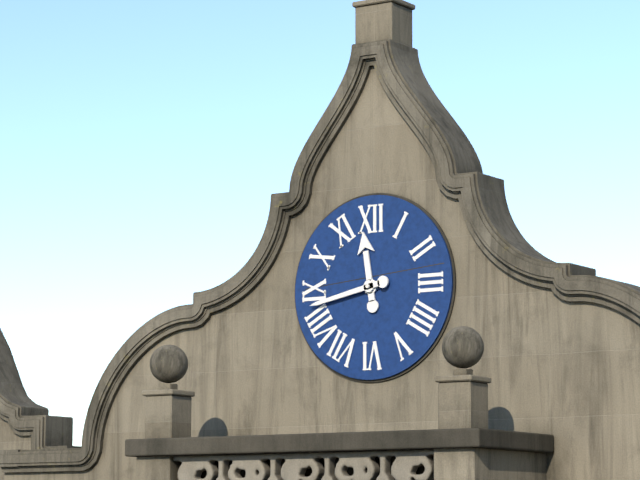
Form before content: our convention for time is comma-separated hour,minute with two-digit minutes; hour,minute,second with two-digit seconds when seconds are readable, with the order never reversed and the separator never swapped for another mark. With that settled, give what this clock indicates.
11,43
